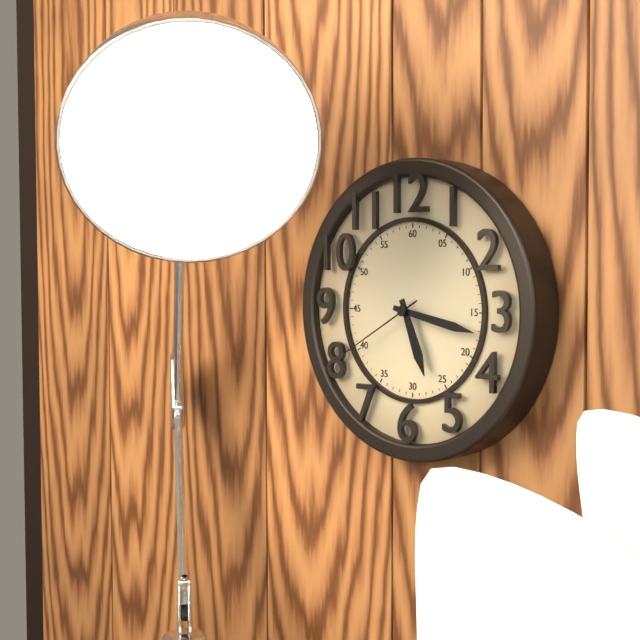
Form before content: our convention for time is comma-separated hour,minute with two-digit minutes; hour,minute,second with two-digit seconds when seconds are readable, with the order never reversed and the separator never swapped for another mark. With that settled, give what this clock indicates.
5,17,40
